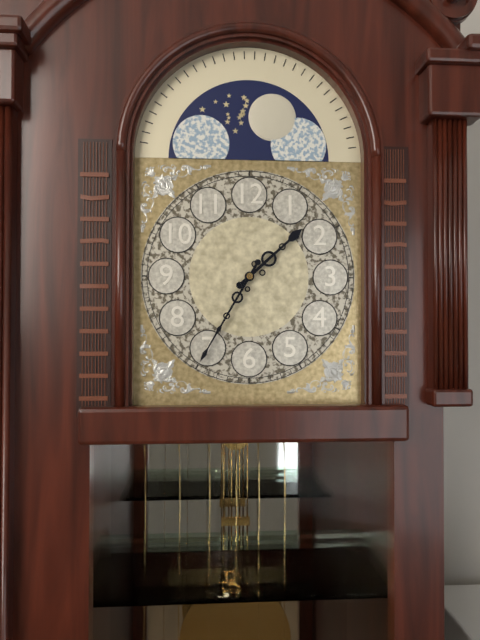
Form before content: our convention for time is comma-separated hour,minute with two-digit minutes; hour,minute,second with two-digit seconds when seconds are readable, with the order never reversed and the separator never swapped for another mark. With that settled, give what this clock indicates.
1,35
